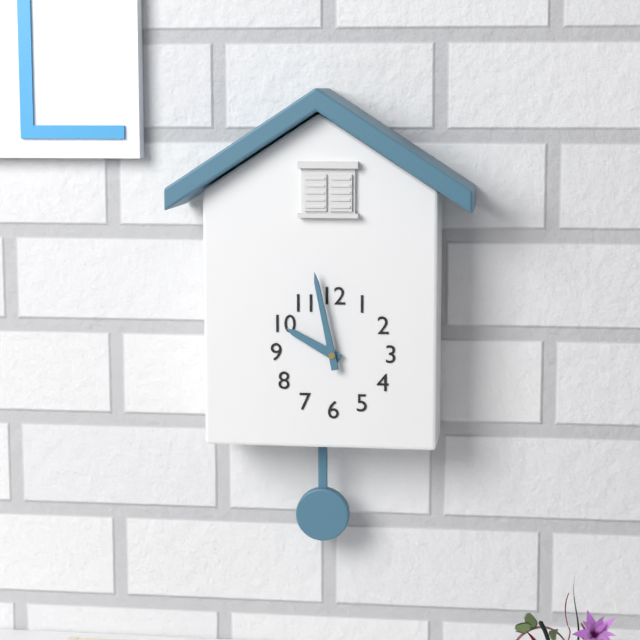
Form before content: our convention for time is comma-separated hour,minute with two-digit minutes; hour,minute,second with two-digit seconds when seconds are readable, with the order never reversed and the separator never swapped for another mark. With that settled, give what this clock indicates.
9,58
